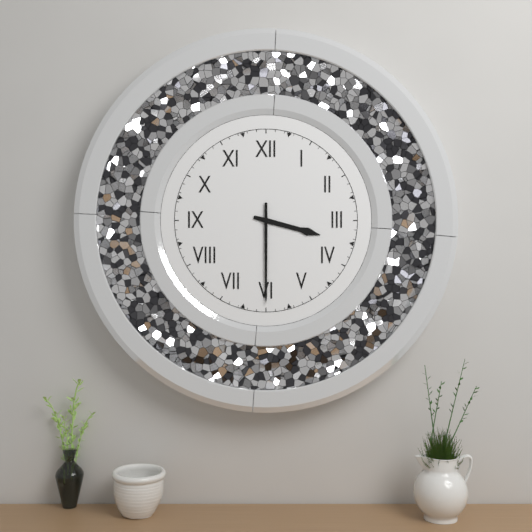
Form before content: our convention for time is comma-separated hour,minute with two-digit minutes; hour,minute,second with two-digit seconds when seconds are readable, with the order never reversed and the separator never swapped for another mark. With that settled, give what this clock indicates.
3,30
